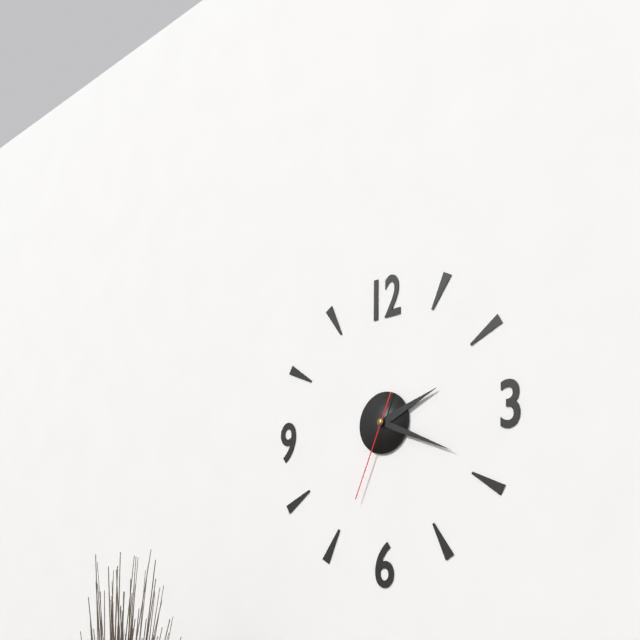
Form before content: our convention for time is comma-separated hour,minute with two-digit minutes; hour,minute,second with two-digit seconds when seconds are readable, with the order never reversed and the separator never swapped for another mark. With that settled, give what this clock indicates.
2,19,34
